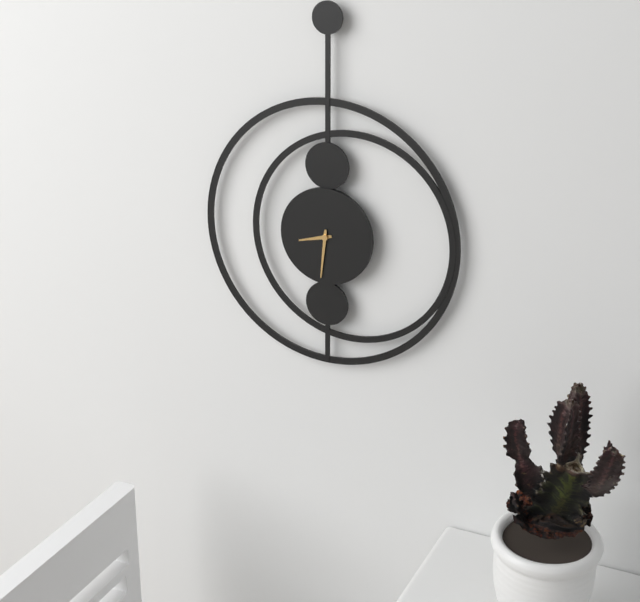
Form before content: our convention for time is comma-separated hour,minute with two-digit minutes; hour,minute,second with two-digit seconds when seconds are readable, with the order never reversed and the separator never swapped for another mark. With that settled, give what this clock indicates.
8,31
